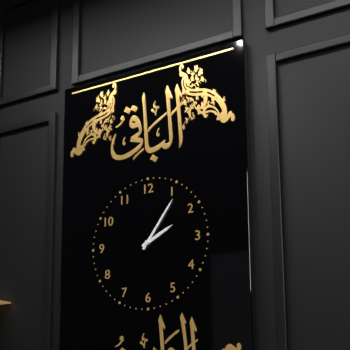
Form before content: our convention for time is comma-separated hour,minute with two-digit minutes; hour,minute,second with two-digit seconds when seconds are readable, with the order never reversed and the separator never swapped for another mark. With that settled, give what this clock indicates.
2,06
